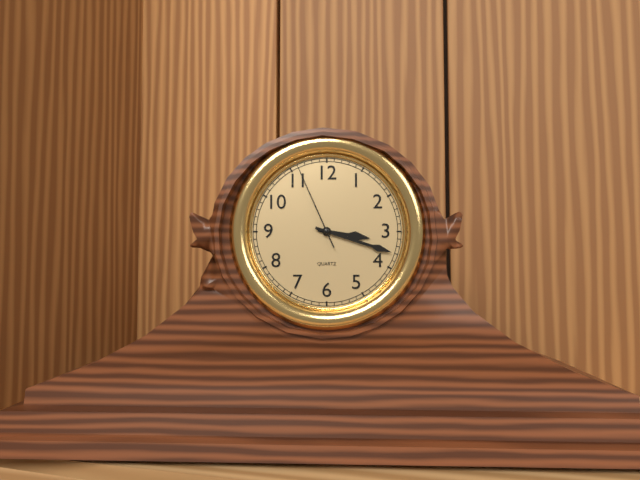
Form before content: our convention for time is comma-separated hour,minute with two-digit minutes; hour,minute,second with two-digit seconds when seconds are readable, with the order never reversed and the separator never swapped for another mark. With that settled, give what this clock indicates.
3,18,56
